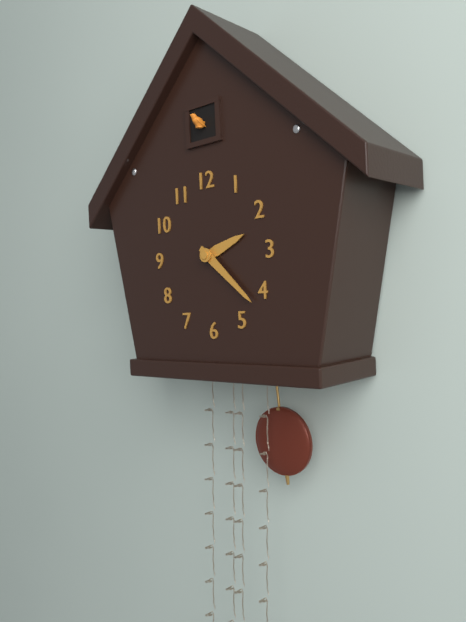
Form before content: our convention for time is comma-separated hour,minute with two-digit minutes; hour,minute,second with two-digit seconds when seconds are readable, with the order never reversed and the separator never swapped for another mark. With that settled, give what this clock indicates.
2,22
